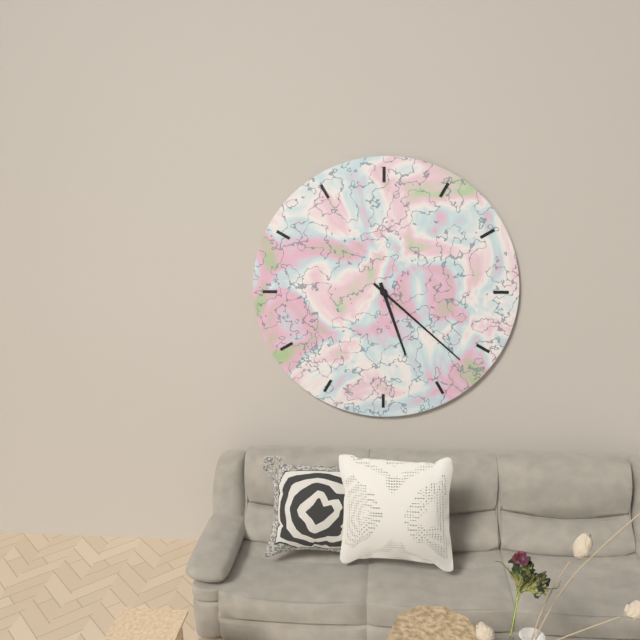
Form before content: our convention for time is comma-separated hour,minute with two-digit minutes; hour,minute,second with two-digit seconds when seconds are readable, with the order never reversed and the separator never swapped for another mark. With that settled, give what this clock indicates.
5,22
